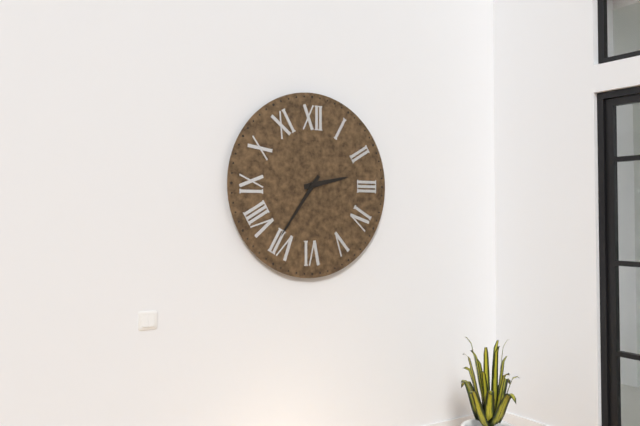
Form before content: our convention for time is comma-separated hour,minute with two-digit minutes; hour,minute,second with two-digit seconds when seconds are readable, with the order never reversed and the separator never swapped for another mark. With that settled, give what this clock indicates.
2,36
